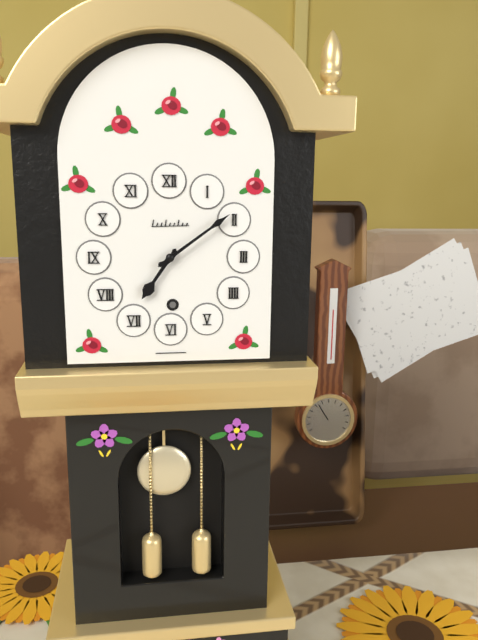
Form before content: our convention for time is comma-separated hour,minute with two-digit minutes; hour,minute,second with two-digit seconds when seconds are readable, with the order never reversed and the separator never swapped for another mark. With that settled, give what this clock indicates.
7,09
